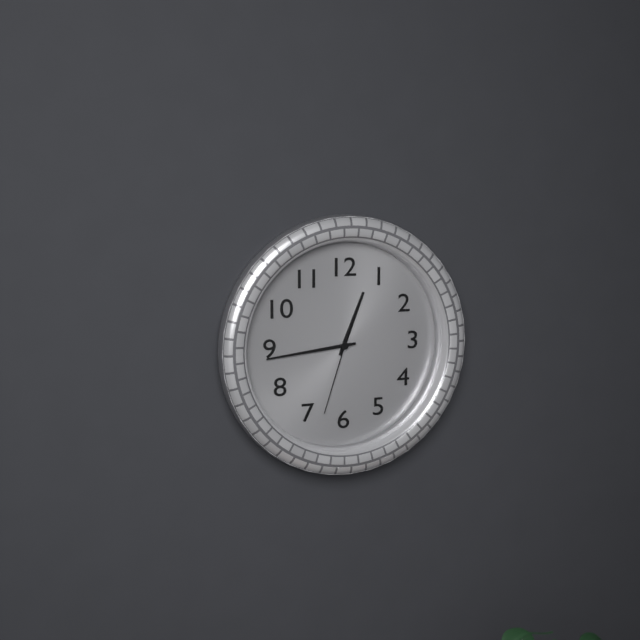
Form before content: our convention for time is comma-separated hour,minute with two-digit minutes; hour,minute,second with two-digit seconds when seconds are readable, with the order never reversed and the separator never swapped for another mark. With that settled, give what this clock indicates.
12,44,33
